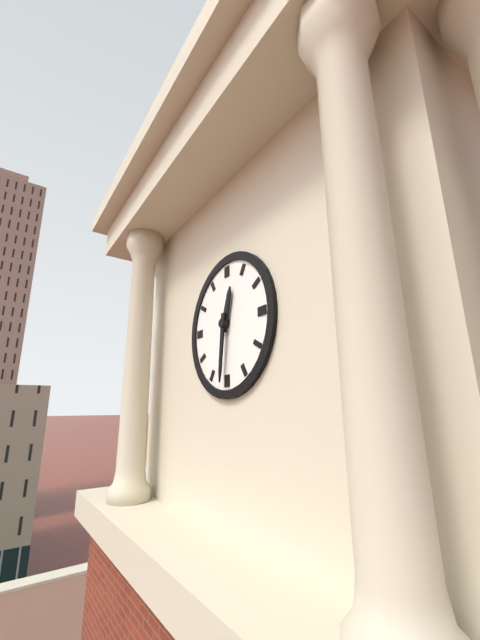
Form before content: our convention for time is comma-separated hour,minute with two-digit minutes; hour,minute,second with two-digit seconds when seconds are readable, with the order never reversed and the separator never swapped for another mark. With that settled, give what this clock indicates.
12,31
